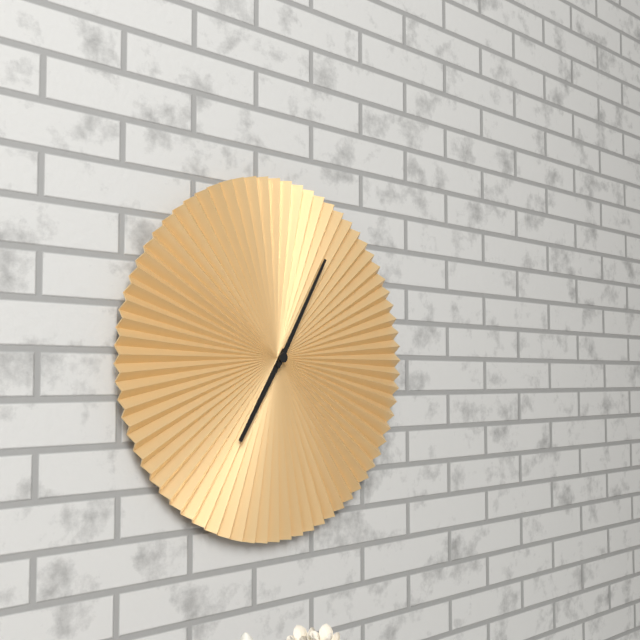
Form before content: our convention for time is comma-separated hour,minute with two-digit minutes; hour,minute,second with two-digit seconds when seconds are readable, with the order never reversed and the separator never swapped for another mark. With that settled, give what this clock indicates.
7,05
